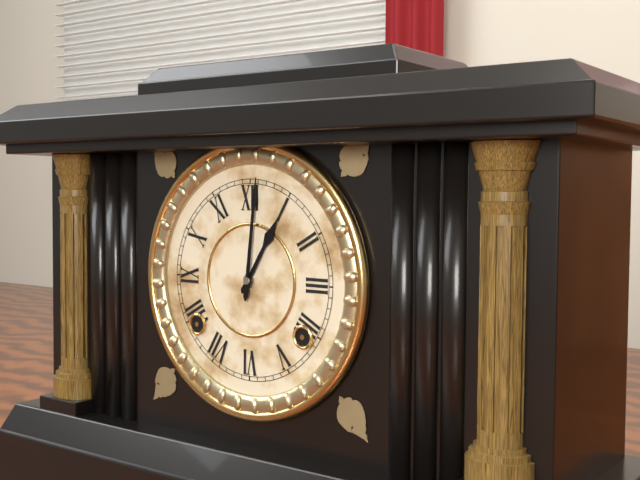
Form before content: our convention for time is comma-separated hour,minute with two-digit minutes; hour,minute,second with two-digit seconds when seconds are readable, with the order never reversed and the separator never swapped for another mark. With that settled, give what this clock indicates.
1,01
